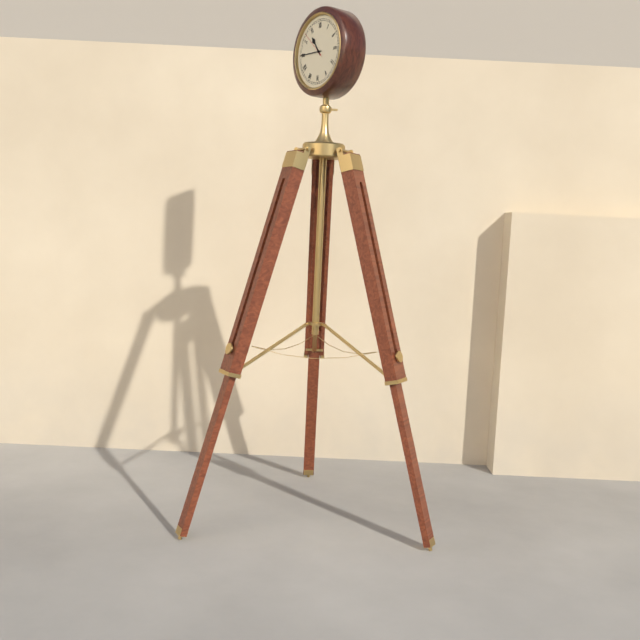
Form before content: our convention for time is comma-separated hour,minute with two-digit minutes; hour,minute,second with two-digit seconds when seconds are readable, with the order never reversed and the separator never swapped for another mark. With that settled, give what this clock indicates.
10,45
